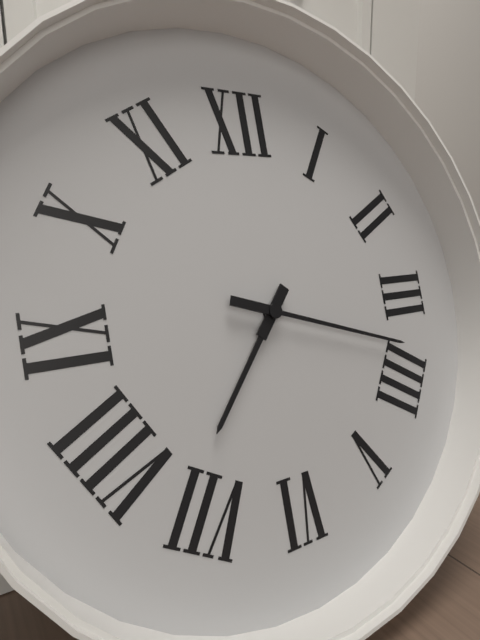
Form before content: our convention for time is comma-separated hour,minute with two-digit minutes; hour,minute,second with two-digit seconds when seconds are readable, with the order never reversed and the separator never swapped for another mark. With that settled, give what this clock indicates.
7,18
